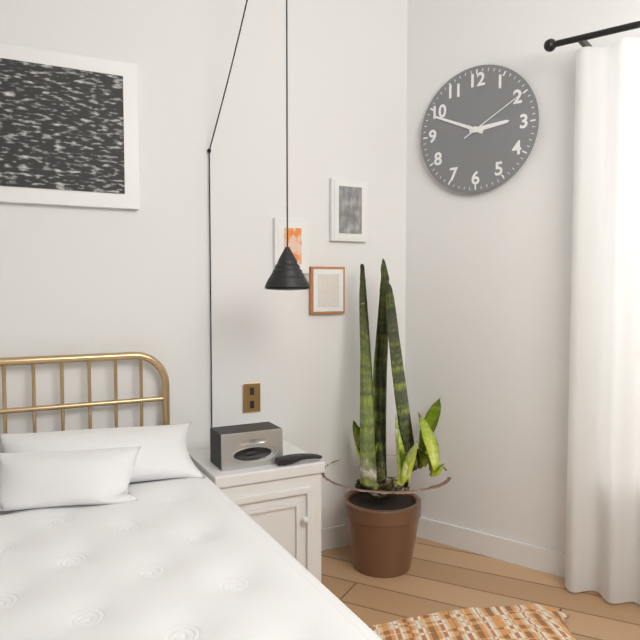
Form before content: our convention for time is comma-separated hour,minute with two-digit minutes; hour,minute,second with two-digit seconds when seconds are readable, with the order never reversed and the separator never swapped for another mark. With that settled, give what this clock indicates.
2,49,10
